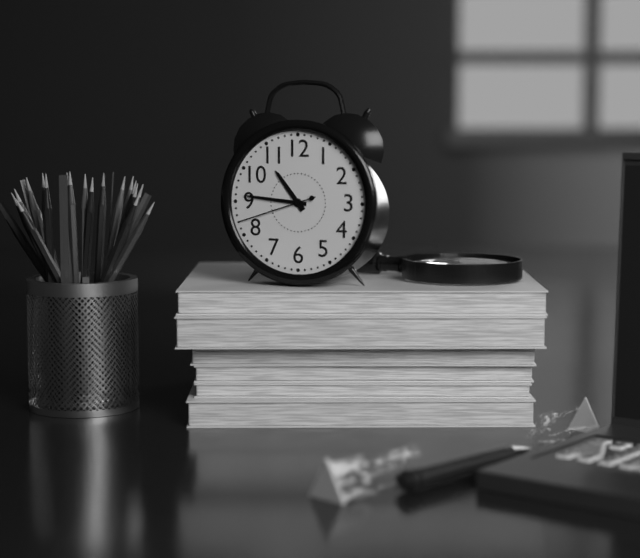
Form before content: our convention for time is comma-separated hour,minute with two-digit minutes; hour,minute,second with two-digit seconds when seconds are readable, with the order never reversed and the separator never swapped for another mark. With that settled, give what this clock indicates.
10,46,42
